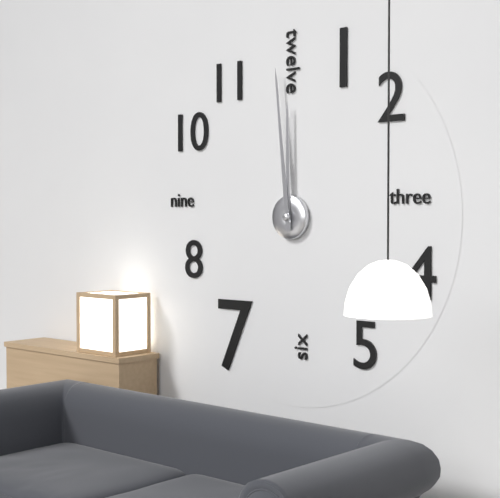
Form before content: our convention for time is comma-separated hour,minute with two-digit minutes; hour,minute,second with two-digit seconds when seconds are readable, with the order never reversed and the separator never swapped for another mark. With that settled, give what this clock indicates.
11,59
